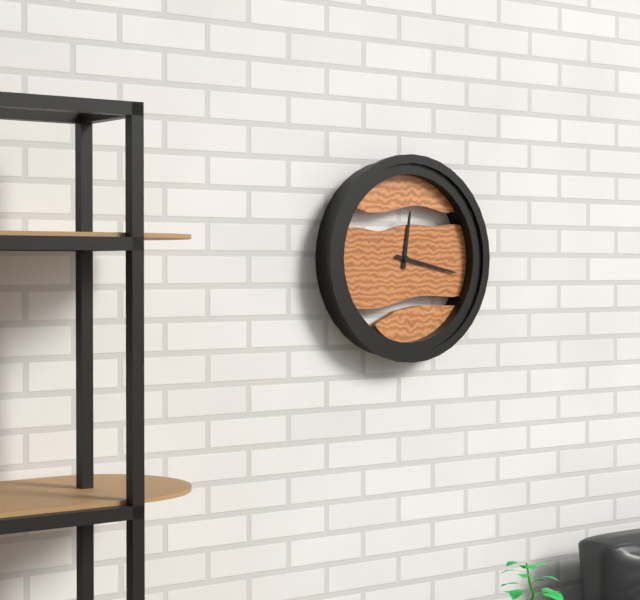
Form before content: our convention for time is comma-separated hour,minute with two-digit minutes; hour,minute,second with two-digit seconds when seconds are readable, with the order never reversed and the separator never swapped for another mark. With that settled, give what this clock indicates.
12,17
